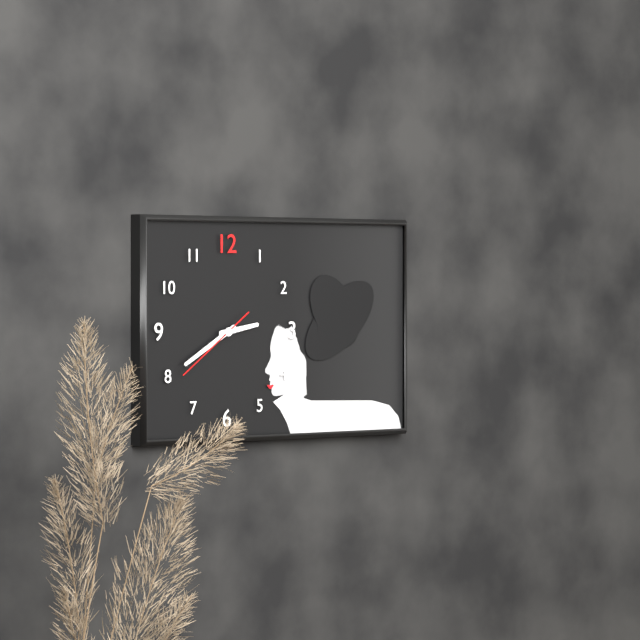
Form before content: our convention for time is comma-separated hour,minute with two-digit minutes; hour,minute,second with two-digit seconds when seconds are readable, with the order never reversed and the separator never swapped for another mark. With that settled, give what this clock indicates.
2,40,39
